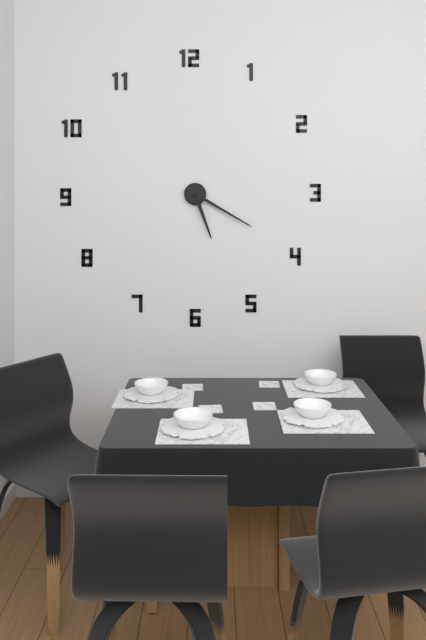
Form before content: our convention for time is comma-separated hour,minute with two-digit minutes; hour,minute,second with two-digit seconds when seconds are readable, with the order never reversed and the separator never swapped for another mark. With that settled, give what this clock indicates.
5,20
